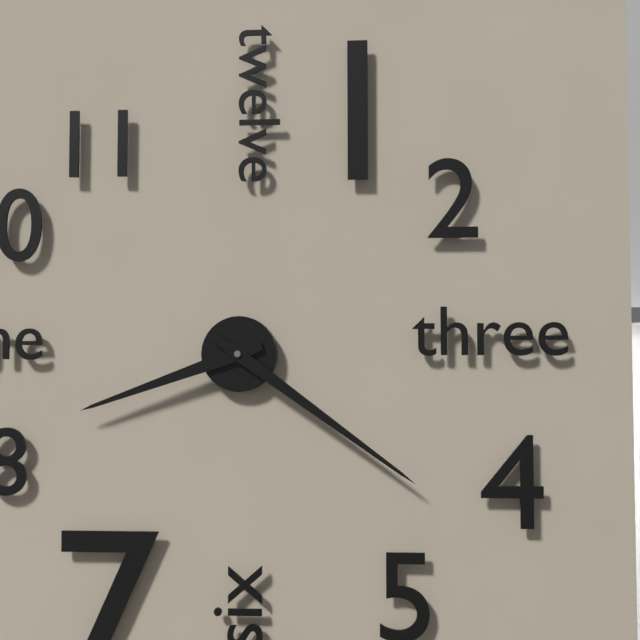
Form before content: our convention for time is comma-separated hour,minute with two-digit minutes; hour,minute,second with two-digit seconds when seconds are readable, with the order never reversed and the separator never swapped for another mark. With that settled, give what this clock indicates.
8,21
